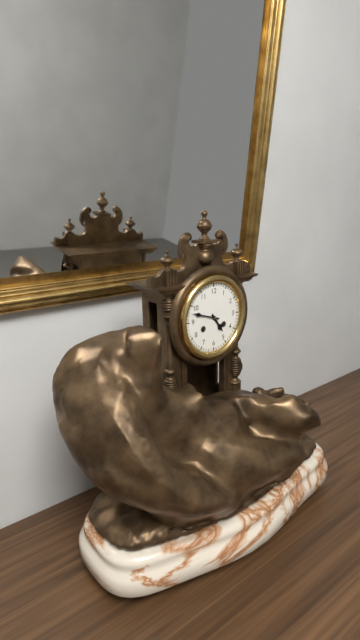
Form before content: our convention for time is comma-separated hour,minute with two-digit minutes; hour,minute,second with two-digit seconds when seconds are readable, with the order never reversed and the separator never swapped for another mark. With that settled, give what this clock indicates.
4,48
